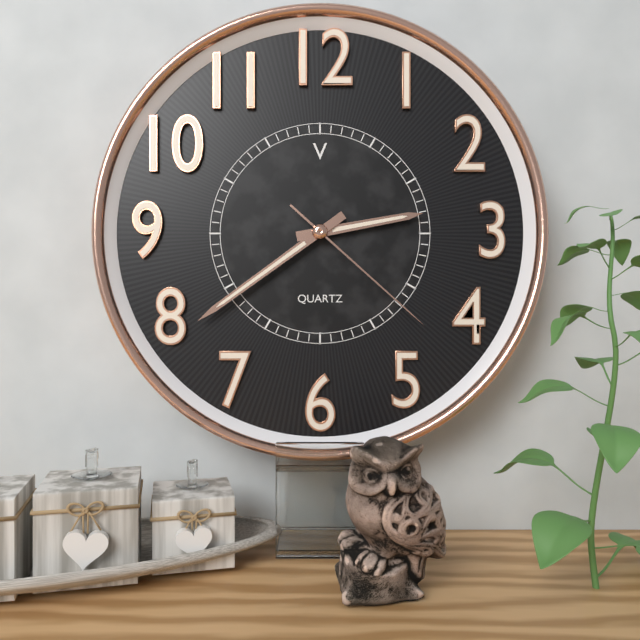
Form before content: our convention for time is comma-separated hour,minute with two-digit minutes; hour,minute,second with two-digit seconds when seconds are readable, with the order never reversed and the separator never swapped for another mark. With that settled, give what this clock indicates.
2,39,22
